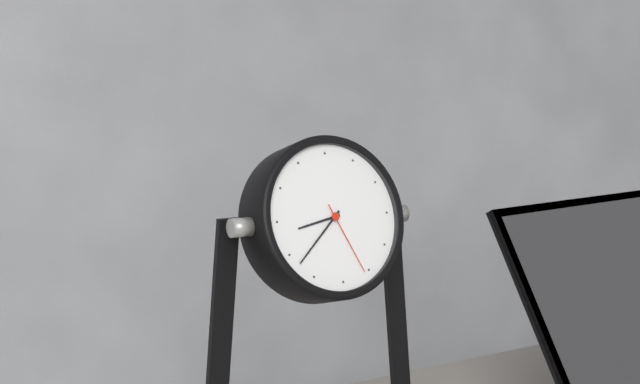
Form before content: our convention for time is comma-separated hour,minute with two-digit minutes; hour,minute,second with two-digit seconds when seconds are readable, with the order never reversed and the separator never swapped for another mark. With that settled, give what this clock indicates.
8,38,26
